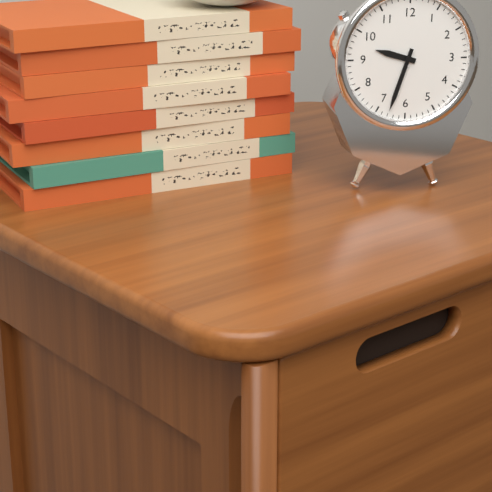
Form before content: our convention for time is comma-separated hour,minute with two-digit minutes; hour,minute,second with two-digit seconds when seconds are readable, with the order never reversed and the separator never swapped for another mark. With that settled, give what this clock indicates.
9,33
